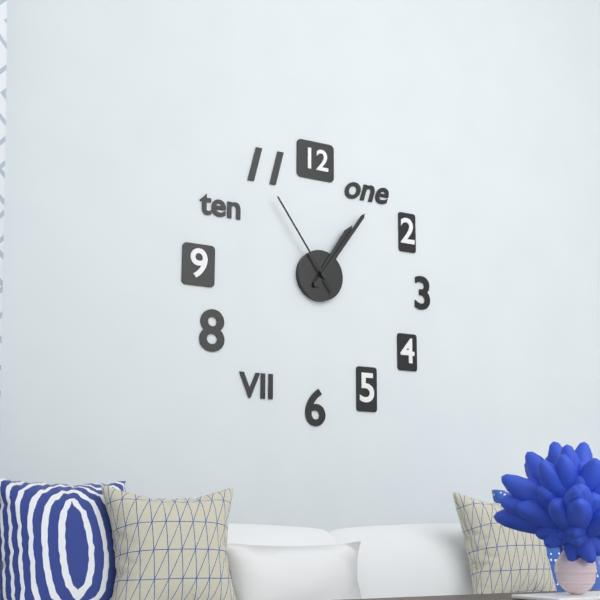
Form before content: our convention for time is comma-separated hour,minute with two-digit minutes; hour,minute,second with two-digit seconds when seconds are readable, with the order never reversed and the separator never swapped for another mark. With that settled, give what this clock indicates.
1,06,54
